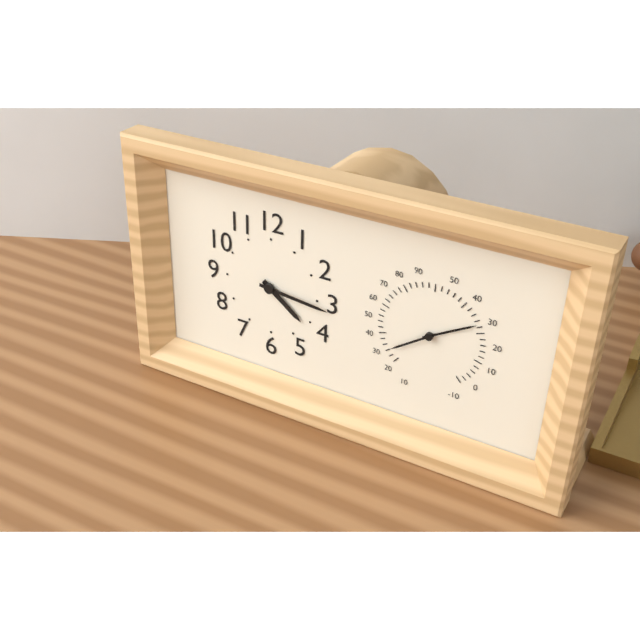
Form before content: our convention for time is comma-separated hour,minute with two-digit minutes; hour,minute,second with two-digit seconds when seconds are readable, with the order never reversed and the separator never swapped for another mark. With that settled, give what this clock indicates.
4,16
